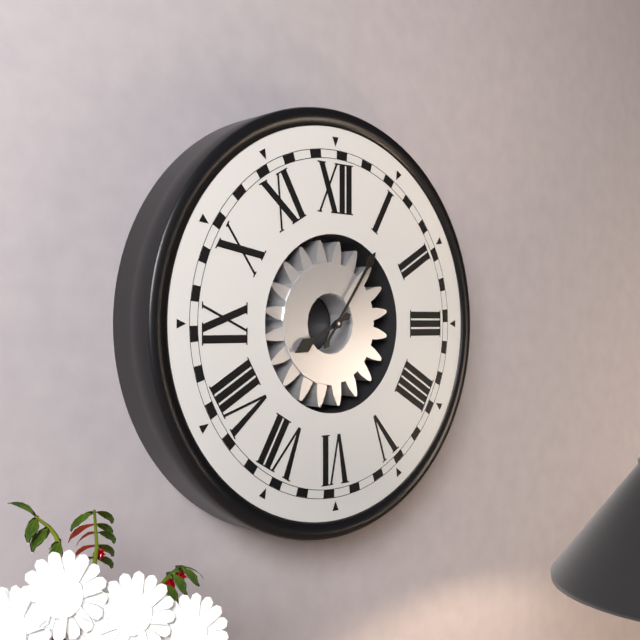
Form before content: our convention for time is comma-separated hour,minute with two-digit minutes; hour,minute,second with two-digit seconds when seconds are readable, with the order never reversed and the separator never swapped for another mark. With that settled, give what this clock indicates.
8,06
